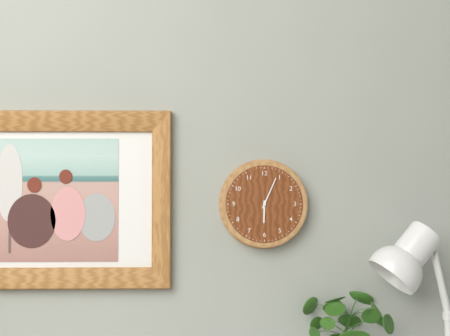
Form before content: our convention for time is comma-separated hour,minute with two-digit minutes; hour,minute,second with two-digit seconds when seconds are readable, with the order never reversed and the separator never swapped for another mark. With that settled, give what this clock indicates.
6,04
